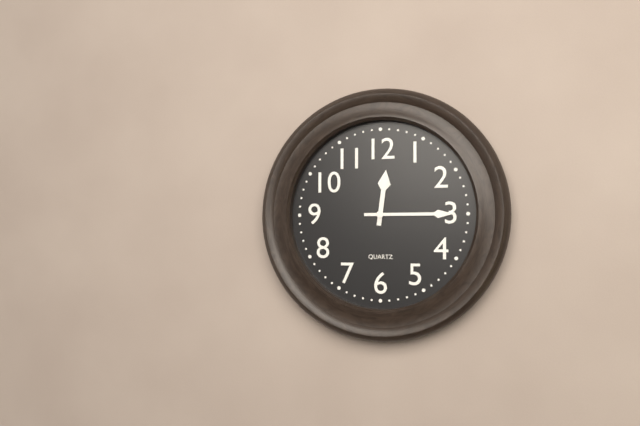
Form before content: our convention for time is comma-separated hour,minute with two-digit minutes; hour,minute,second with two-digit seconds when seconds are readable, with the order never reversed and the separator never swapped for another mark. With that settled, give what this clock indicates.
12,15
